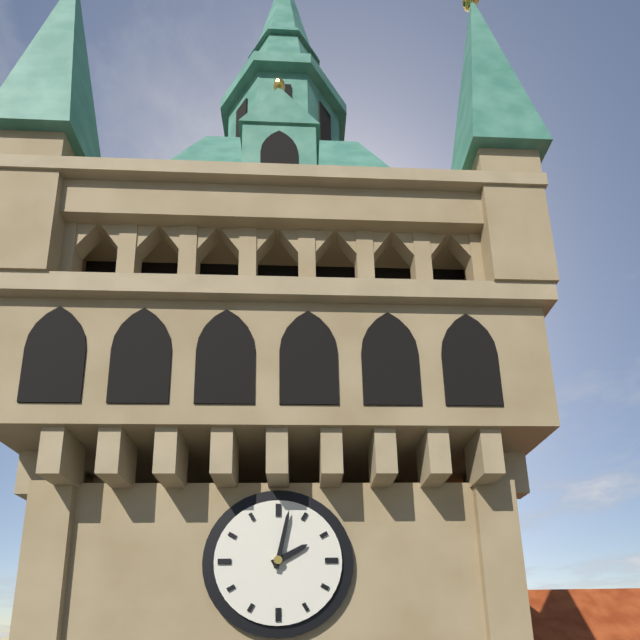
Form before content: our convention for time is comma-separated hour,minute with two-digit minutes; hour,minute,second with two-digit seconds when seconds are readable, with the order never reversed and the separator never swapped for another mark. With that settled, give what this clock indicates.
2,02
